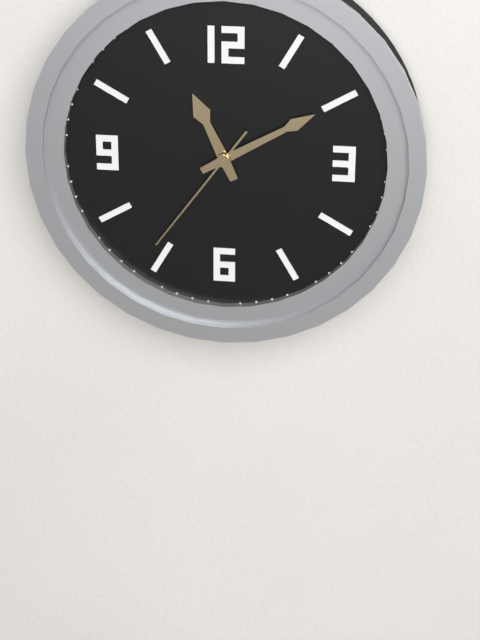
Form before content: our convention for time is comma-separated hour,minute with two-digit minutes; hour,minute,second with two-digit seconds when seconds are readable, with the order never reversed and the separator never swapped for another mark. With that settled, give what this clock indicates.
11,10,36
